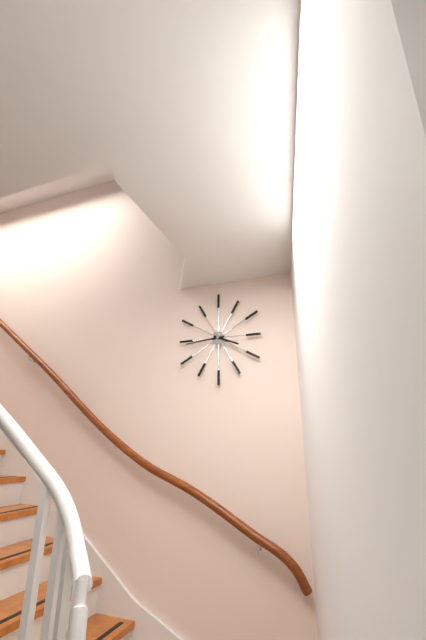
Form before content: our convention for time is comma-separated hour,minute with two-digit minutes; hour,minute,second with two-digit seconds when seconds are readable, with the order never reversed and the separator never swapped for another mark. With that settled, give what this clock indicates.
3,44
